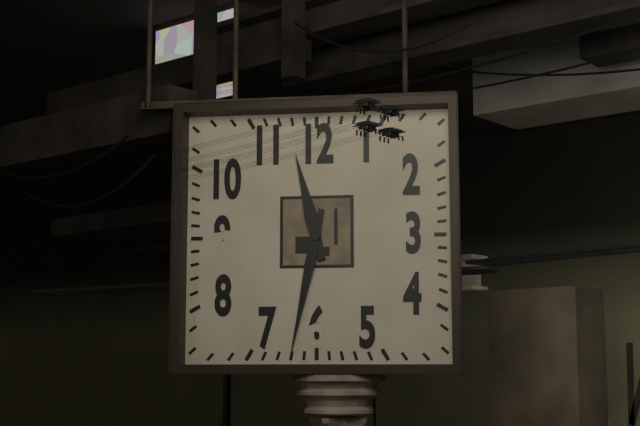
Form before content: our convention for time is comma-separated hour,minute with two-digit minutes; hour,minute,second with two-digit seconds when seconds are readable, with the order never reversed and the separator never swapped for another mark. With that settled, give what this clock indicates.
11,32
